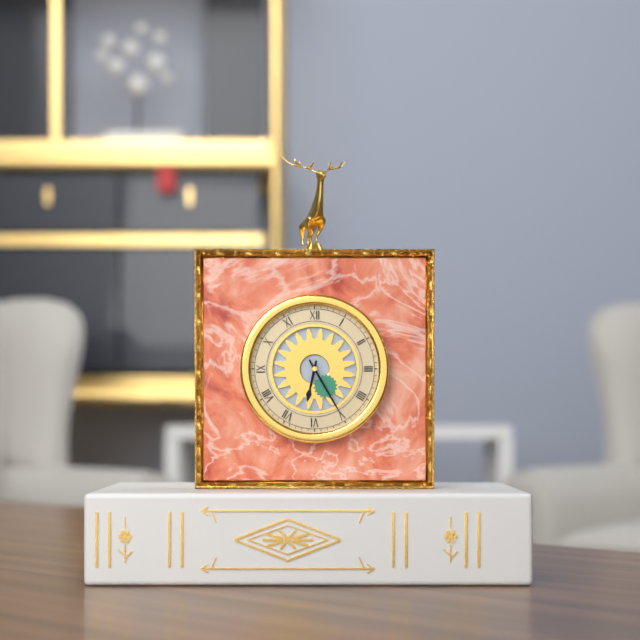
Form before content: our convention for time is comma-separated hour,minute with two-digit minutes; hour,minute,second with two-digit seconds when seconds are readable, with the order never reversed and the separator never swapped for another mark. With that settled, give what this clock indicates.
6,25
